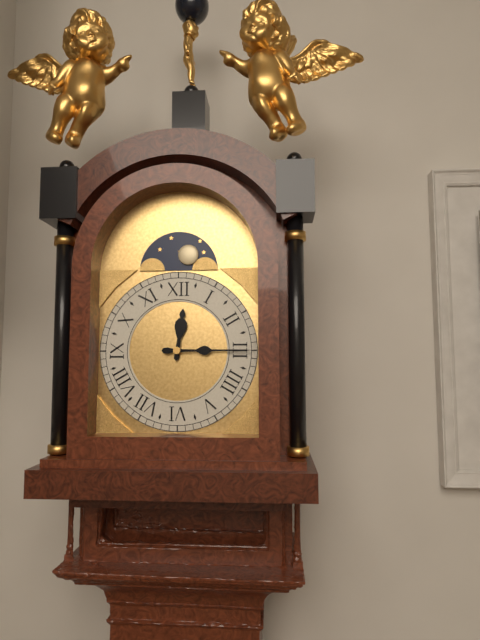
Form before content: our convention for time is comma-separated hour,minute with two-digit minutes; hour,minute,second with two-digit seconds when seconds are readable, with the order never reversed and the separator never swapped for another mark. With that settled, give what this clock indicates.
12,15
